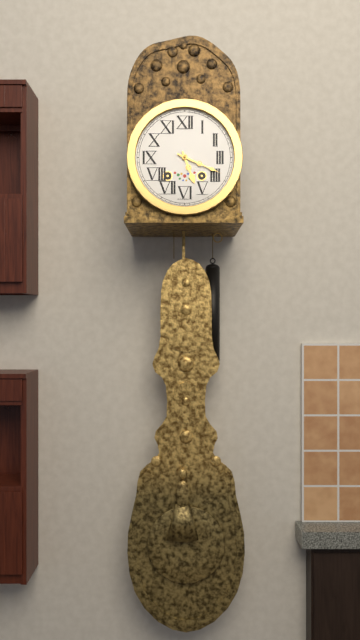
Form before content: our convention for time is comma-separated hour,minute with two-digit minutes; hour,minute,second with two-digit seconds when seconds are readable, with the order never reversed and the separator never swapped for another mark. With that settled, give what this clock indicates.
5,19
